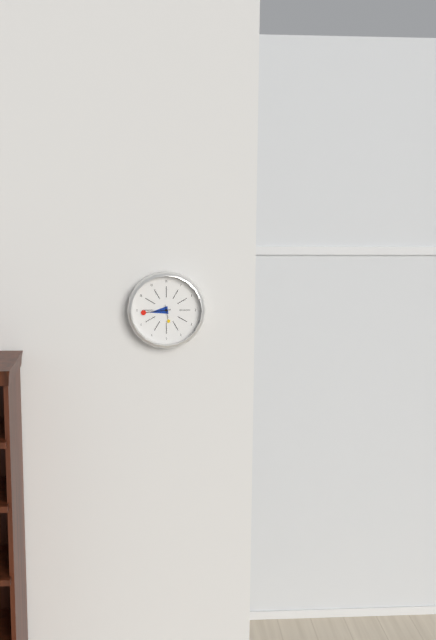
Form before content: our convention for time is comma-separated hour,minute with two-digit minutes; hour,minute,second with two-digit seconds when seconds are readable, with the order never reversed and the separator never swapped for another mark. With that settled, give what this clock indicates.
8,44
